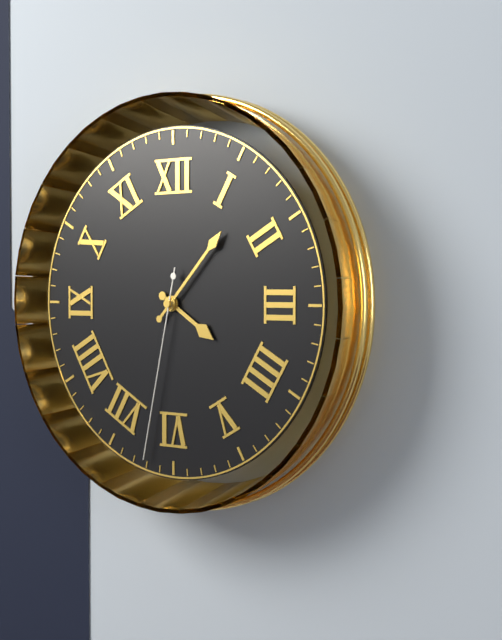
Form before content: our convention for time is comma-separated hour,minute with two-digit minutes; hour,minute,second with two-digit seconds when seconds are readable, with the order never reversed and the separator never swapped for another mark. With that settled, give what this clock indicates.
4,07,32
